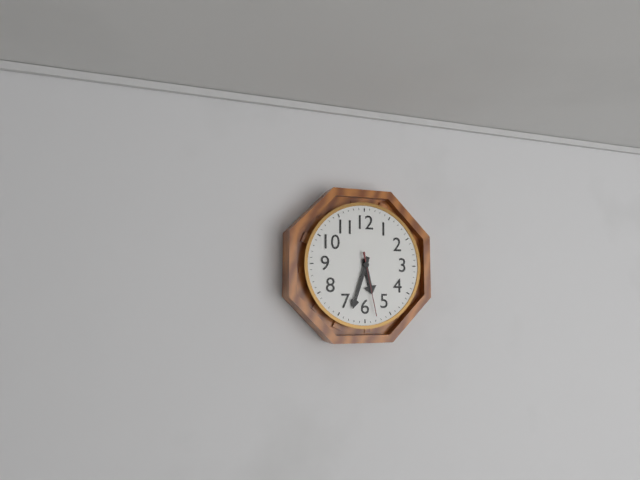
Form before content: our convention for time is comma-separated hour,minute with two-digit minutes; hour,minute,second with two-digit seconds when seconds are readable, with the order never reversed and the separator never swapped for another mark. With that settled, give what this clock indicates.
5,33,28
